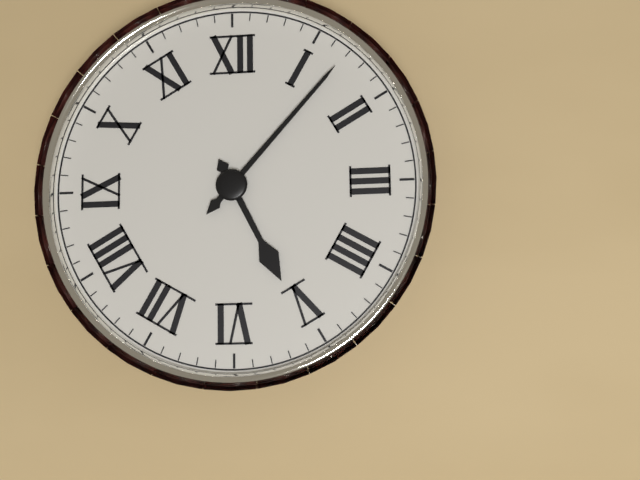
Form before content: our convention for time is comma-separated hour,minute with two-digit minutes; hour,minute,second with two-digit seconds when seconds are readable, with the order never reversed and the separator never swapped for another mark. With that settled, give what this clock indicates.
5,07
